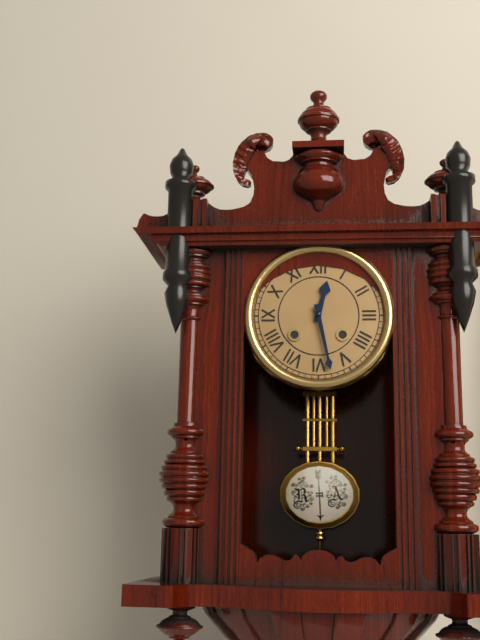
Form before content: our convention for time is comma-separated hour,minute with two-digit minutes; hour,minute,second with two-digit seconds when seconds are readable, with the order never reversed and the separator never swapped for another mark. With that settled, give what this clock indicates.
12,28
